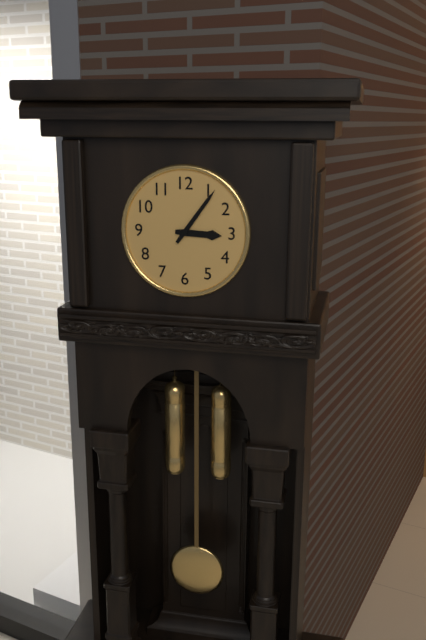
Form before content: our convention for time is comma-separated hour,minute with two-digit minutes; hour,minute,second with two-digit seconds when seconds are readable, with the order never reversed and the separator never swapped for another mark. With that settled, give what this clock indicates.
3,06
